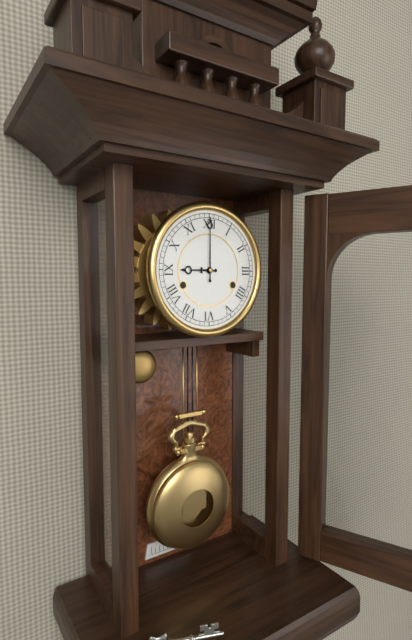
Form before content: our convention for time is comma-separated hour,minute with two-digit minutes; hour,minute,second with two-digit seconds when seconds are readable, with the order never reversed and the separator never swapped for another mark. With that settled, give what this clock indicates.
9,00
